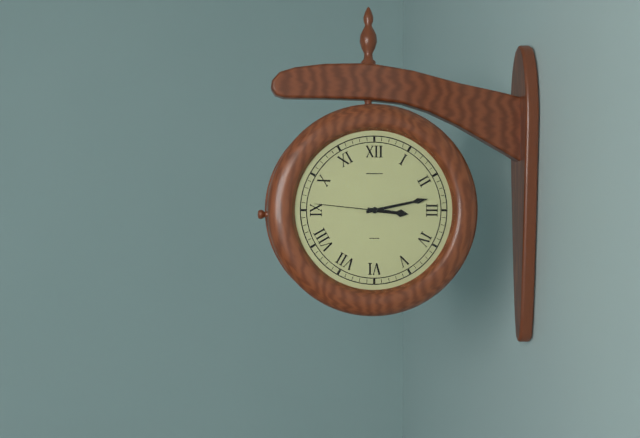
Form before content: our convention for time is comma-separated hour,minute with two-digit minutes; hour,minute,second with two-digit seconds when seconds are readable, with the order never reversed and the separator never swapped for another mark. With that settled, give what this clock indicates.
3,13,46
